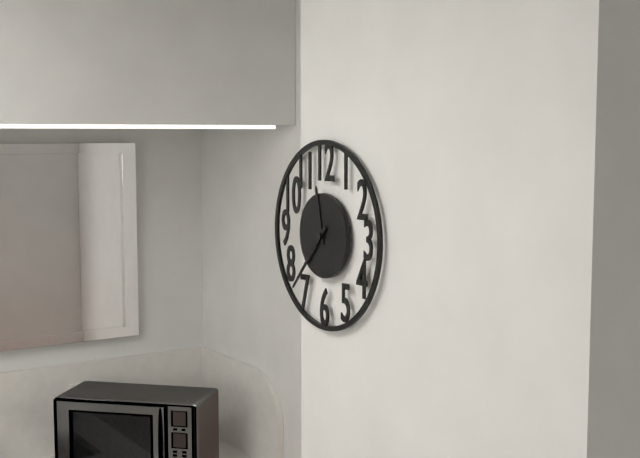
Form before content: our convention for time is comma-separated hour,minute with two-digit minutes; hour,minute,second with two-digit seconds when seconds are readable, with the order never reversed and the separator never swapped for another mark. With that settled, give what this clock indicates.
11,37
